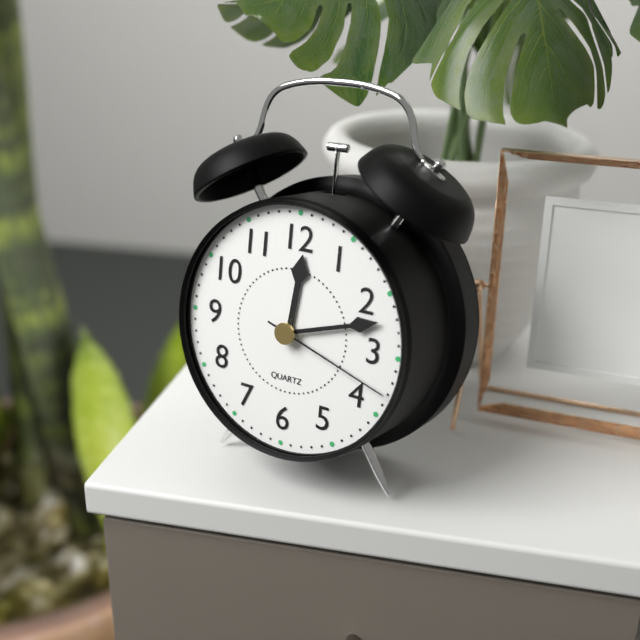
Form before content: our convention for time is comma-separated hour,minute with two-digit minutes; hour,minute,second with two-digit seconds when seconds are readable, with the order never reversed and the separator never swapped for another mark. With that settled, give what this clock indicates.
12,12,18
